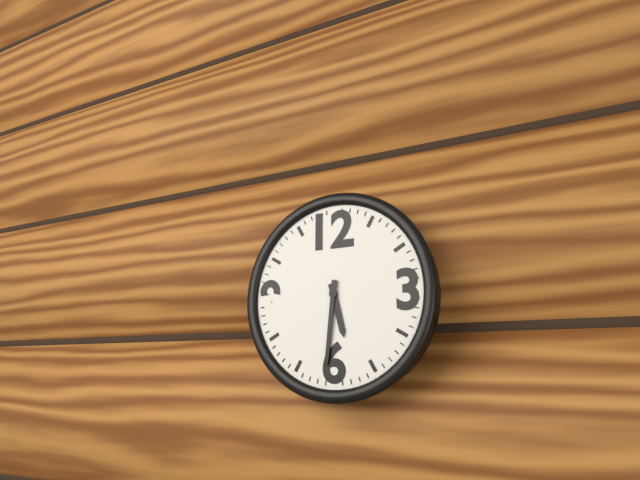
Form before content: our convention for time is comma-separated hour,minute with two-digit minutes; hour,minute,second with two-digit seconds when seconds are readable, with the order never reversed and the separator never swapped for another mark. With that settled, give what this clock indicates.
5,31
